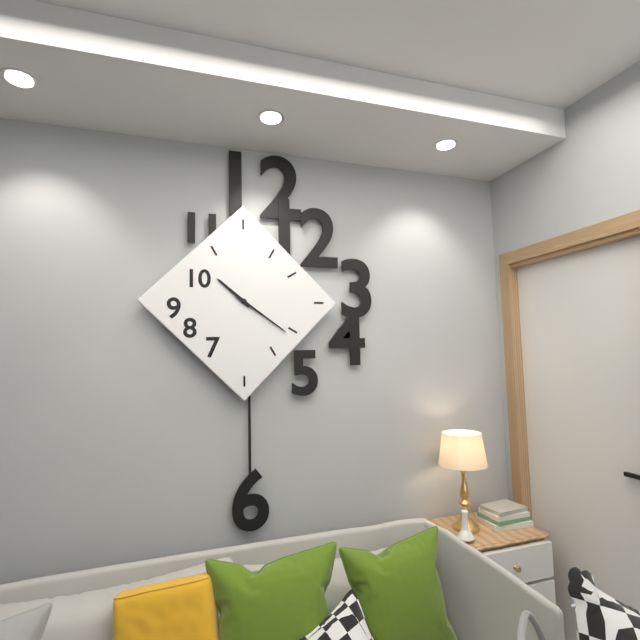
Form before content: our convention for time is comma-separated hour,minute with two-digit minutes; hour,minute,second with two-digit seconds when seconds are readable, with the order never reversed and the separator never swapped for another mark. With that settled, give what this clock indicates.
10,21
